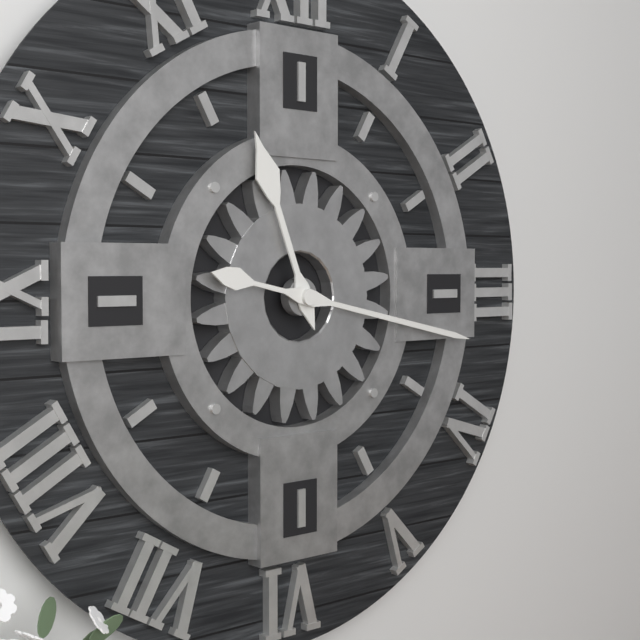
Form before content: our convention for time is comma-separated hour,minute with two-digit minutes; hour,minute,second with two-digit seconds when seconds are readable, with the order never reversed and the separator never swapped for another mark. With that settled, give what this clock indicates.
11,17
